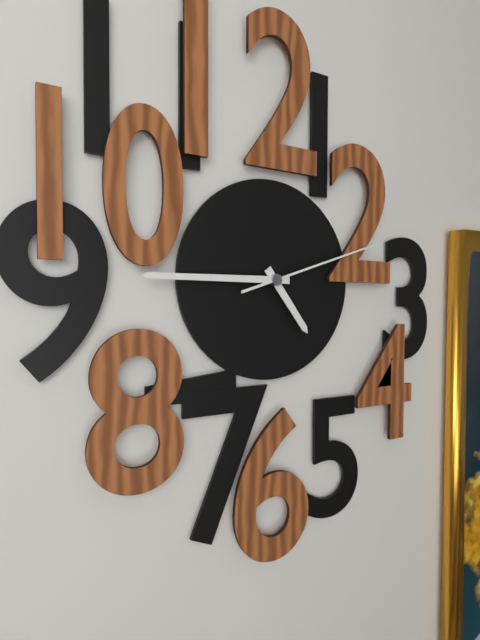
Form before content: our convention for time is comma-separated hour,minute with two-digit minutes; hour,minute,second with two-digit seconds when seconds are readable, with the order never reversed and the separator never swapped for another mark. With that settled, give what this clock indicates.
4,45,12
